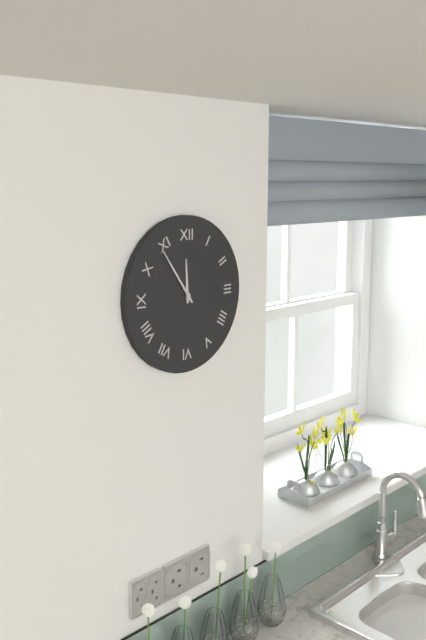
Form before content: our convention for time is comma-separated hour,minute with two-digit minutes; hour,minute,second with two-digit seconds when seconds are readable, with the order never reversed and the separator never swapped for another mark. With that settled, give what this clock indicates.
11,54
